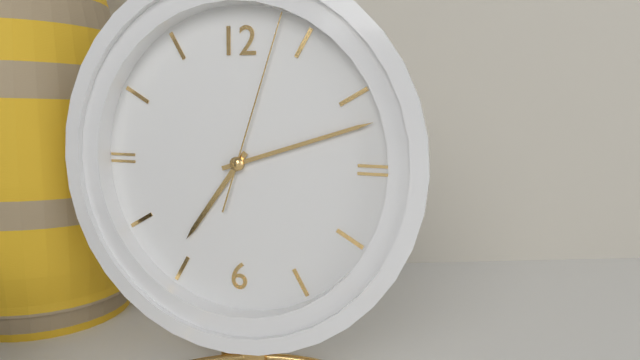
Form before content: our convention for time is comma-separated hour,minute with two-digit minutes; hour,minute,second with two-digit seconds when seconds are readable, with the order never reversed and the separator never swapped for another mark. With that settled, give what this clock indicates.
7,12,03
